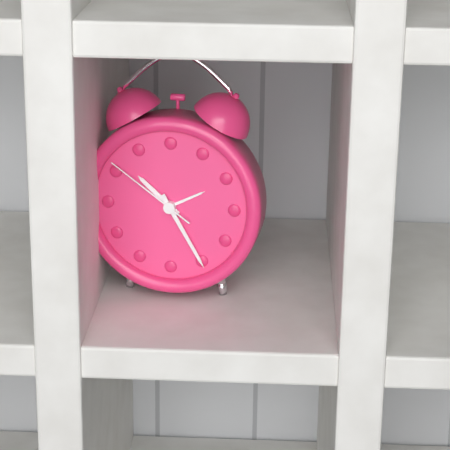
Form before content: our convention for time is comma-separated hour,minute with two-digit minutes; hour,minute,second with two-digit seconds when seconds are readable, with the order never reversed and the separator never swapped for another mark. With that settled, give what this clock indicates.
10,25,51
